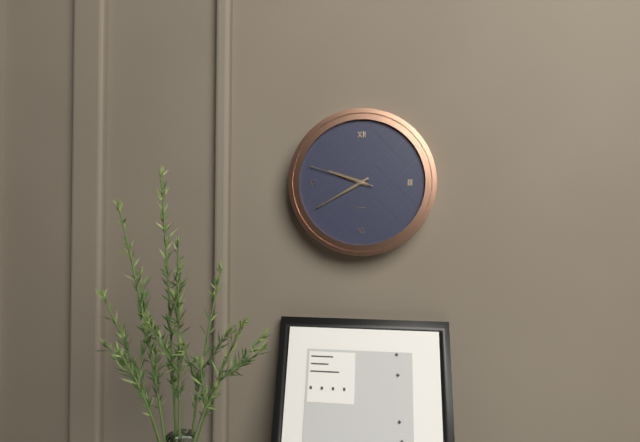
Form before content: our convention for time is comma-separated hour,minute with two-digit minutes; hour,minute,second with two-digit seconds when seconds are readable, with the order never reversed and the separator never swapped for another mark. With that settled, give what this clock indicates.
9,40,48
